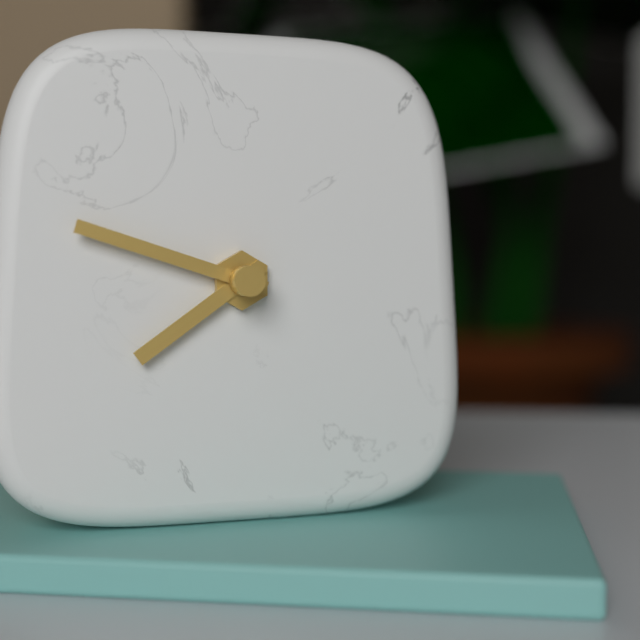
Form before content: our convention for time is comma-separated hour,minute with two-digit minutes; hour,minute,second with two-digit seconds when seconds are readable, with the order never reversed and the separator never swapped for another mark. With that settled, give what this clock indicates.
7,48
